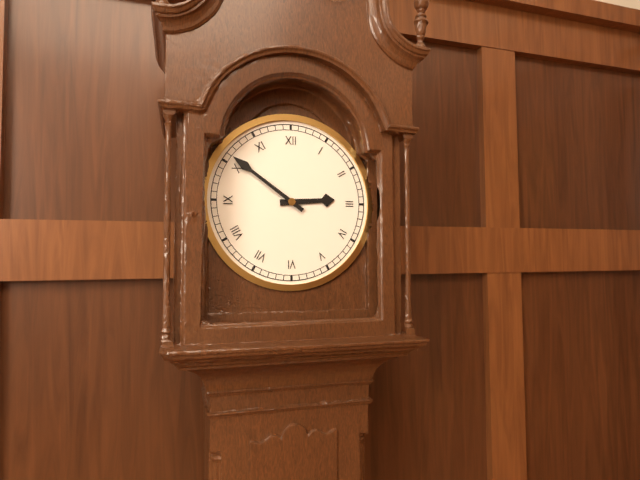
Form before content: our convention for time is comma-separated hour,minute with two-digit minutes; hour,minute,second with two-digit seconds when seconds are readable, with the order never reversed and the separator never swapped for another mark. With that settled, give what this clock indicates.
2,51
